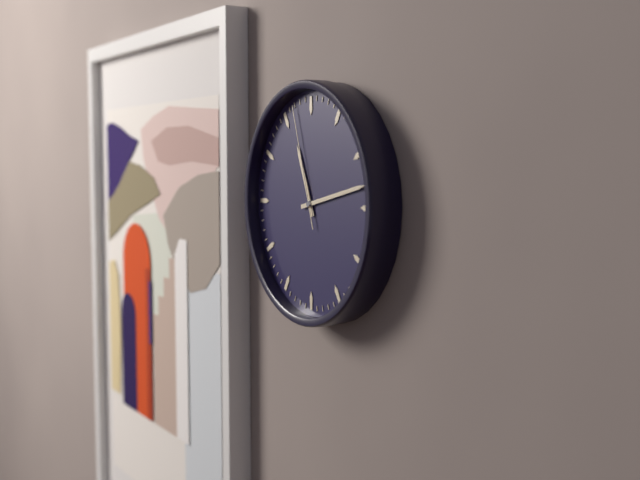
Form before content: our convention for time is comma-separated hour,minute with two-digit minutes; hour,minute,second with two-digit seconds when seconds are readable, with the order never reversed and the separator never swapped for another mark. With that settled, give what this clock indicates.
11,13,57
